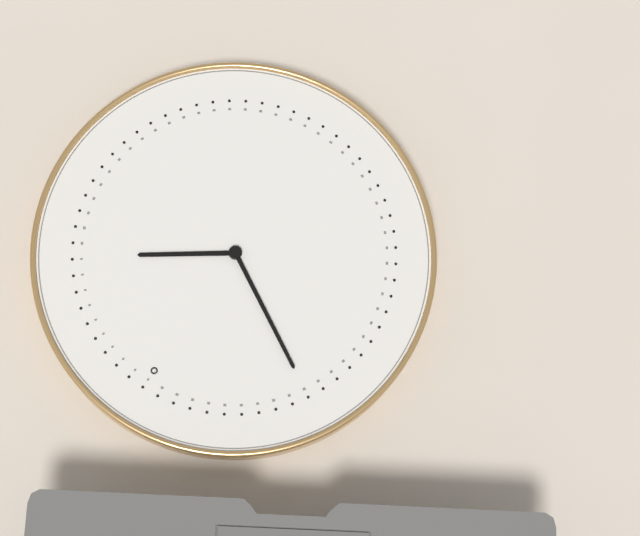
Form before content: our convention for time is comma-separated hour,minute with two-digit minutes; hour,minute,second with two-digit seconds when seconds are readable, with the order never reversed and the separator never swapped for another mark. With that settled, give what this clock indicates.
1,50
